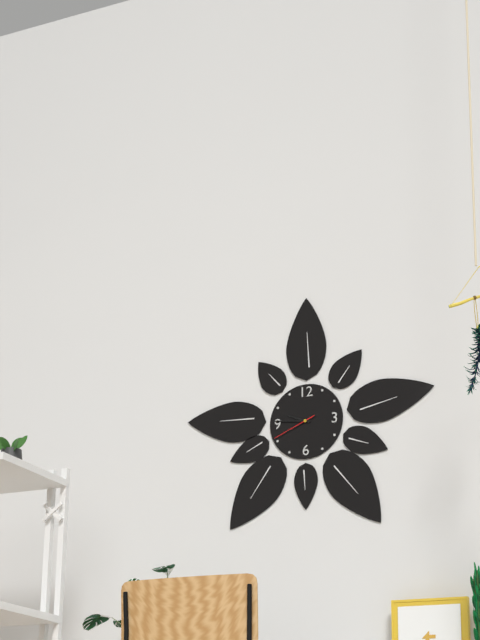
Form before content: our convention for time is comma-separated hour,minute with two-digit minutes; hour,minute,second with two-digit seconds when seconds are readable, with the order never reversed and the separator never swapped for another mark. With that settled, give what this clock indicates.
9,46
